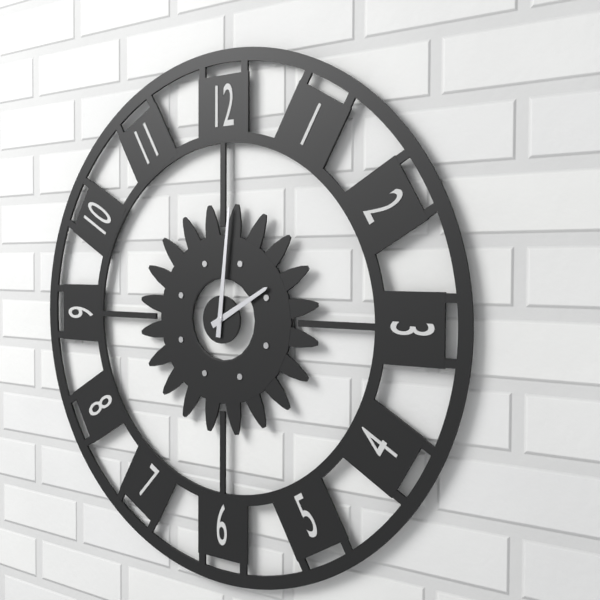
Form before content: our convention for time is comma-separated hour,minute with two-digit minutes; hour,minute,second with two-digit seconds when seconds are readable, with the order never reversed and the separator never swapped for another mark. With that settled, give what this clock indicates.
2,01
